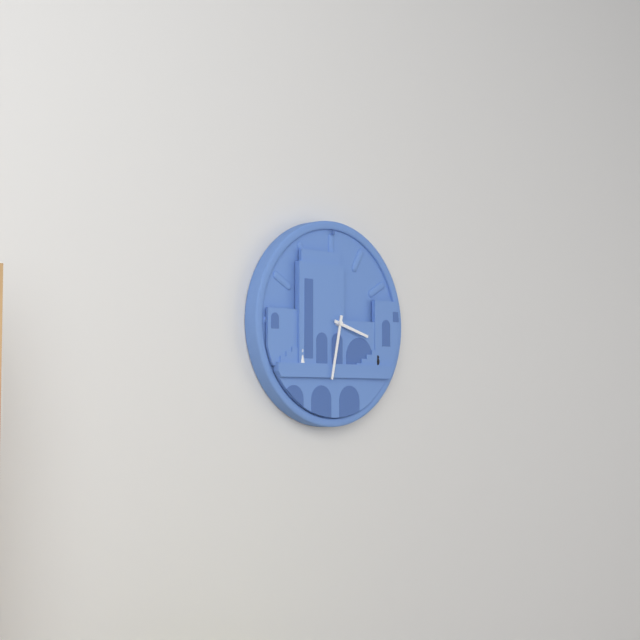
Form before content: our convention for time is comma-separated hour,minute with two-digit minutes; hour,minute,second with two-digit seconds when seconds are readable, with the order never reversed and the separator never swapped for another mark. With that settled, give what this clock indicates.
3,32
